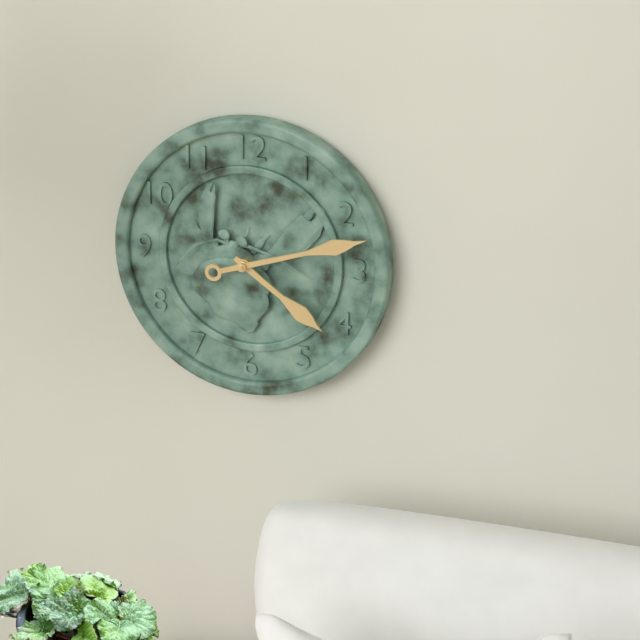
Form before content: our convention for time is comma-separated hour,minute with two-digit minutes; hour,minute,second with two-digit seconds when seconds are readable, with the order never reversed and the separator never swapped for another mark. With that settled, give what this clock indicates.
4,12
